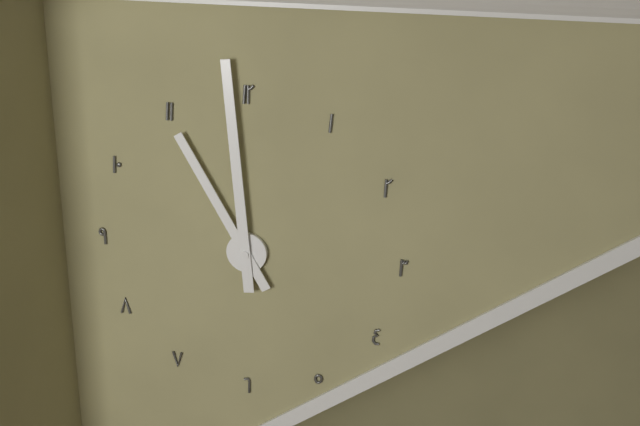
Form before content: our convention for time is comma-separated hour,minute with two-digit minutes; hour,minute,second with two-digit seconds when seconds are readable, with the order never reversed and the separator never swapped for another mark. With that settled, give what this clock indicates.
10,59
